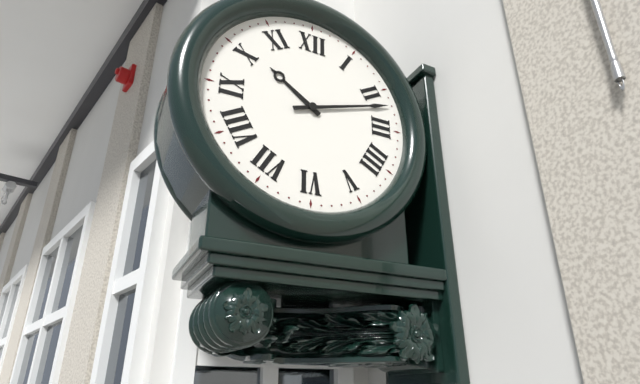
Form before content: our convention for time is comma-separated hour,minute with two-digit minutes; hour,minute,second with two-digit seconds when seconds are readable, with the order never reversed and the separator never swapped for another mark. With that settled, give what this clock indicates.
10,12
